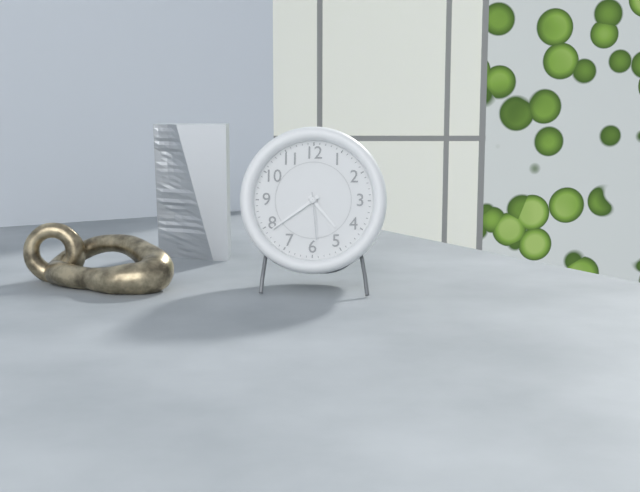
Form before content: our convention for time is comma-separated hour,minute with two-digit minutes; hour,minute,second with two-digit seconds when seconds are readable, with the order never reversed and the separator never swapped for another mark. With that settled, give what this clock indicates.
4,39,29
